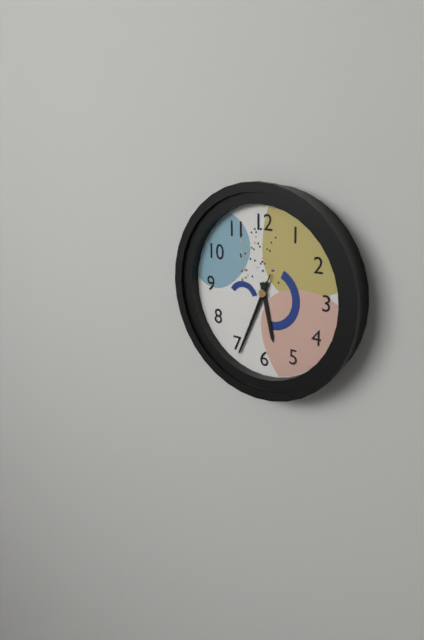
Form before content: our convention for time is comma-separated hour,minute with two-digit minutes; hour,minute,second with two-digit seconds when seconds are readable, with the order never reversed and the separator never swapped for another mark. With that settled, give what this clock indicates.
5,34,34
